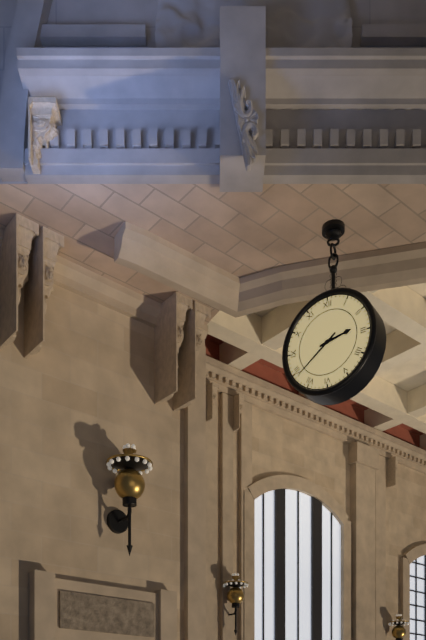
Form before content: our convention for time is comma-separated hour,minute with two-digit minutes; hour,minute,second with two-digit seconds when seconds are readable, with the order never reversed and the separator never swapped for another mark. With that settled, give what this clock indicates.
2,39
